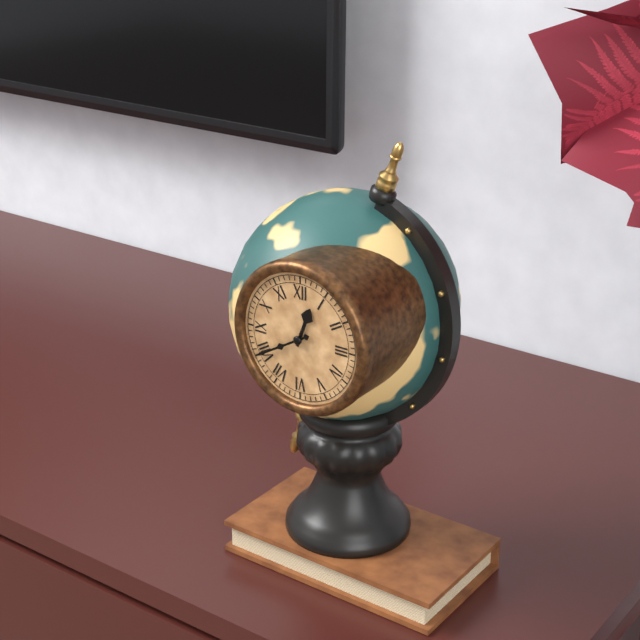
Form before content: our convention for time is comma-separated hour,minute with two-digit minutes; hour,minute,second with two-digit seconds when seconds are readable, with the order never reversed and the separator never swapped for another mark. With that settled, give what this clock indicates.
12,40
